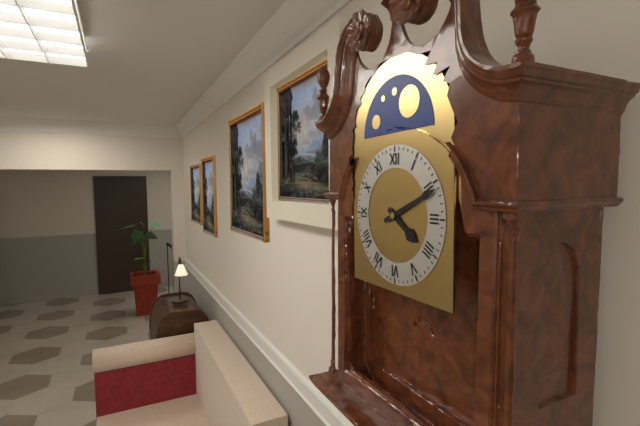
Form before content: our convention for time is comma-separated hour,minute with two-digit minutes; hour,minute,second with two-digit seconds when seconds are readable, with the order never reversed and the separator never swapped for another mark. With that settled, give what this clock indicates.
4,11
